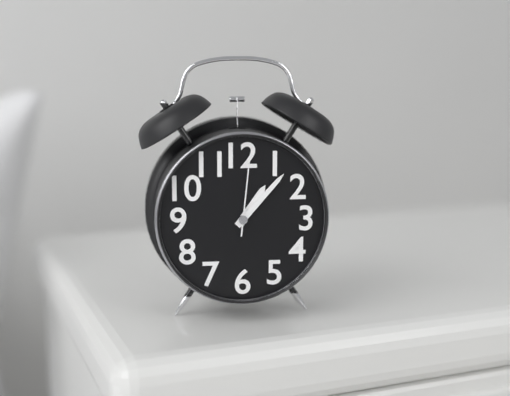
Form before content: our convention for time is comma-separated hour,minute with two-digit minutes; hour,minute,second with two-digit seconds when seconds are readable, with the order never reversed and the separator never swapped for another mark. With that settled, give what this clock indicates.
1,07,01
